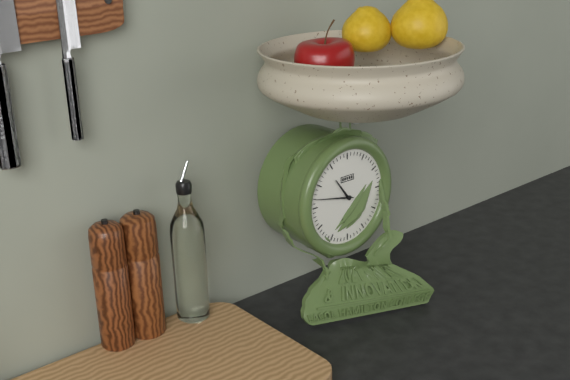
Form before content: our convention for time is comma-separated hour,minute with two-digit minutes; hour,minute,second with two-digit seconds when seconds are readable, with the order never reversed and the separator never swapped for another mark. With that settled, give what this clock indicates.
10,47
